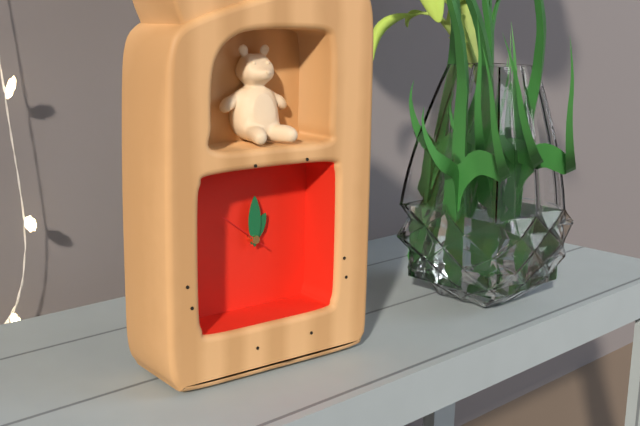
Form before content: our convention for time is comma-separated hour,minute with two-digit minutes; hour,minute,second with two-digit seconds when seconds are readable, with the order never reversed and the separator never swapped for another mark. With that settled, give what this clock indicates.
1,00
